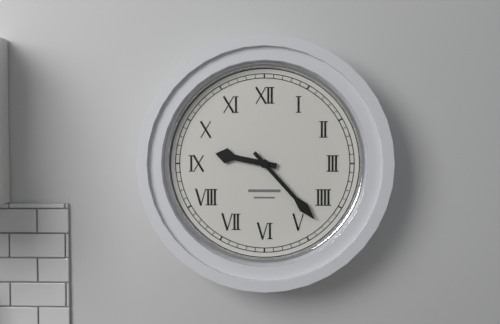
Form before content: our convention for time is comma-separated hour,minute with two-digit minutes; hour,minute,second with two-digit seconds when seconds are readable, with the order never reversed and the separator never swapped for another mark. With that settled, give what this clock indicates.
9,23
